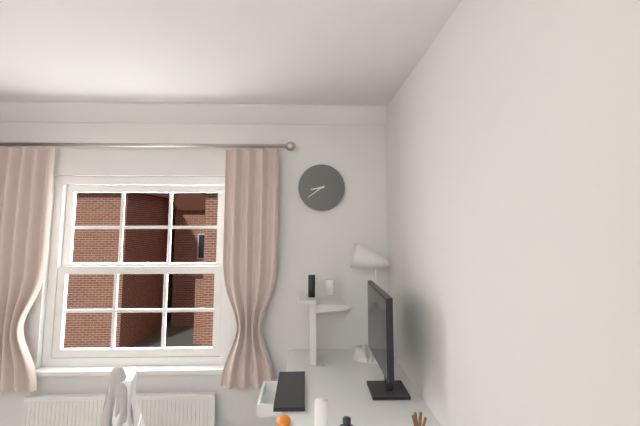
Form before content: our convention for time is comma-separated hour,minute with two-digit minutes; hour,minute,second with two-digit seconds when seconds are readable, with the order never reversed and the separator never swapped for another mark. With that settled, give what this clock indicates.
8,39
